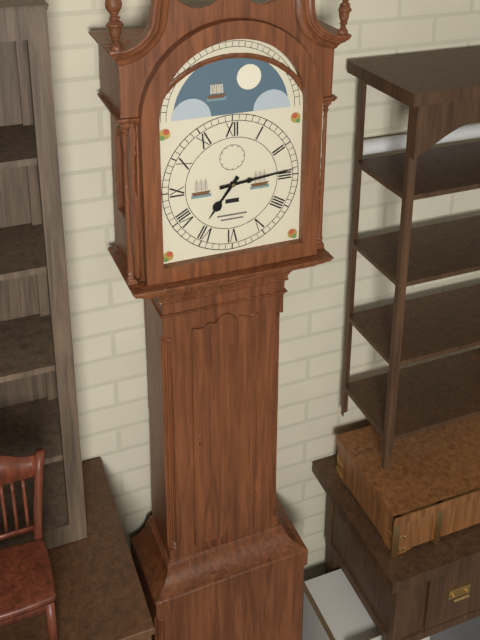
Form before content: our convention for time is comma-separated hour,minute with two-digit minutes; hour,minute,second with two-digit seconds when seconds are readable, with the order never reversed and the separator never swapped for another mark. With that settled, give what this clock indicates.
7,14
